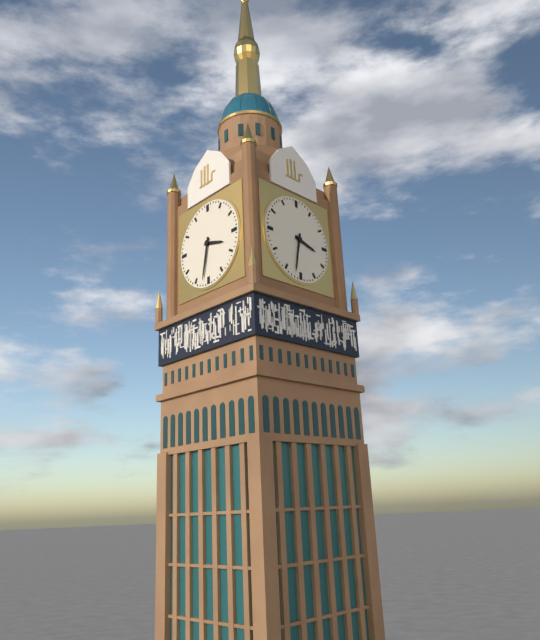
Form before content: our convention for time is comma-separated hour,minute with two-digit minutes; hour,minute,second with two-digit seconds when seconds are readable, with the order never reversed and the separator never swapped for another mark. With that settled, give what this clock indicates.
3,32
